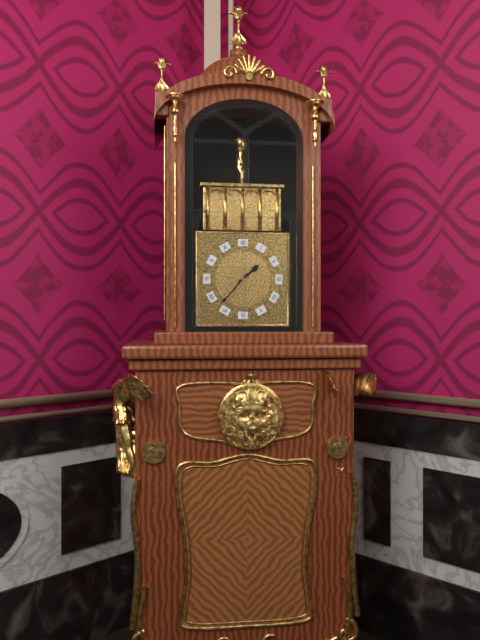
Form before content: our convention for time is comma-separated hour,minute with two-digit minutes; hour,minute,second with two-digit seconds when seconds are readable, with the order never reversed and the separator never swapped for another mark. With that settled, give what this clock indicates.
1,37
